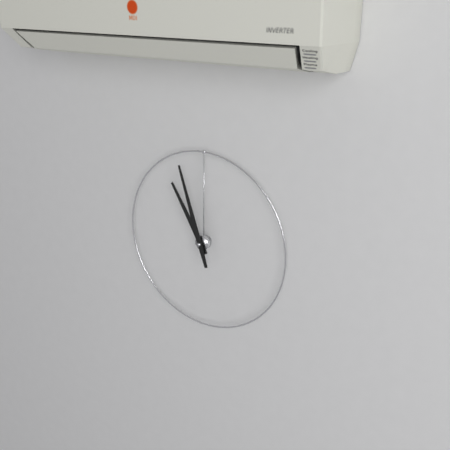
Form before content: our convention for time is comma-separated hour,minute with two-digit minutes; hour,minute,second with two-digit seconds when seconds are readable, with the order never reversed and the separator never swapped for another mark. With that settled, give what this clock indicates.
10,57
